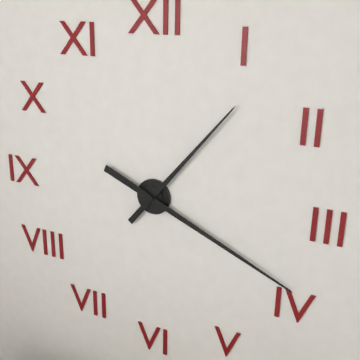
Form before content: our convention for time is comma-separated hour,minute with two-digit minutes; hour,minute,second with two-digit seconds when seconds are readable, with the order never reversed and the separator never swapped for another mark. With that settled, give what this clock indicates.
1,19
